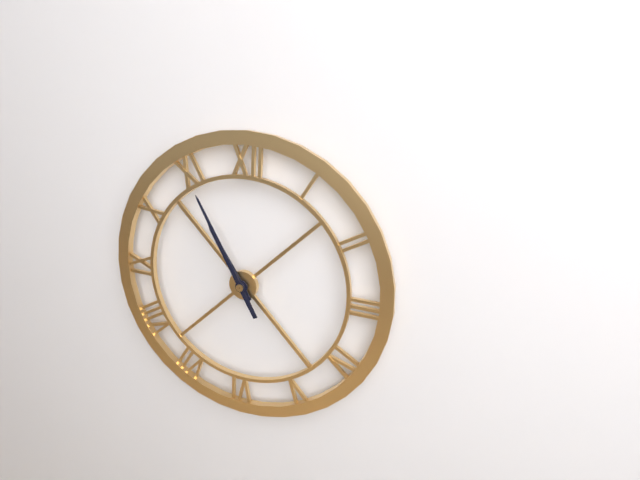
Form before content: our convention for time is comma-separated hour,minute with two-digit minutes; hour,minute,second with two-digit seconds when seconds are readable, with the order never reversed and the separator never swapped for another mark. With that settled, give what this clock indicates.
10,55
